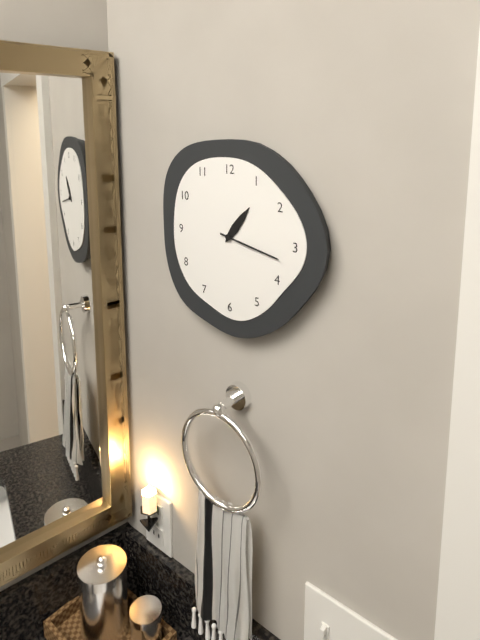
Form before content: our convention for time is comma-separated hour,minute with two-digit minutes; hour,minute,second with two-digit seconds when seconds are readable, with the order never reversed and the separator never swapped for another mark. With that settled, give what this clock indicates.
1,17
